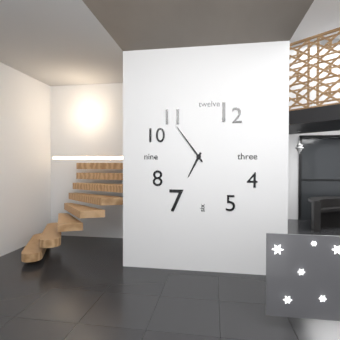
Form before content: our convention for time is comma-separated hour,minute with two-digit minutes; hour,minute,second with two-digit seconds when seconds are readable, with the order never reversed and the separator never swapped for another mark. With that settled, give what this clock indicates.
6,54
